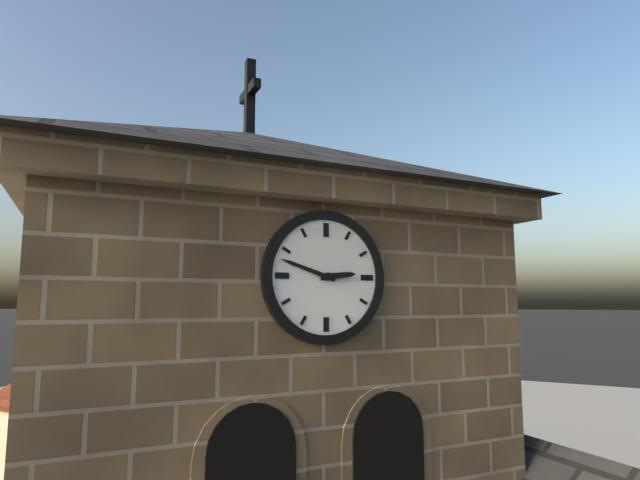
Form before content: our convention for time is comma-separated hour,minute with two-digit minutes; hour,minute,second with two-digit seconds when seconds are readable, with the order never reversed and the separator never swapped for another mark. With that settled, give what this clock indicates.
2,48
